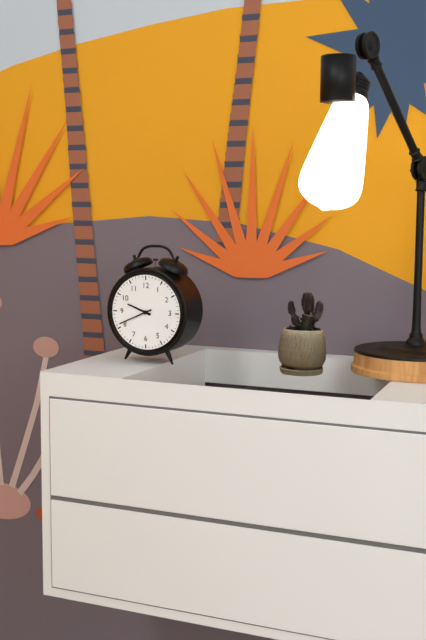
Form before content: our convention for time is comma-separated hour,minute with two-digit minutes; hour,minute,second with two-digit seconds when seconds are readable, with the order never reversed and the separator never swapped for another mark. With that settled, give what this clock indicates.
9,41
